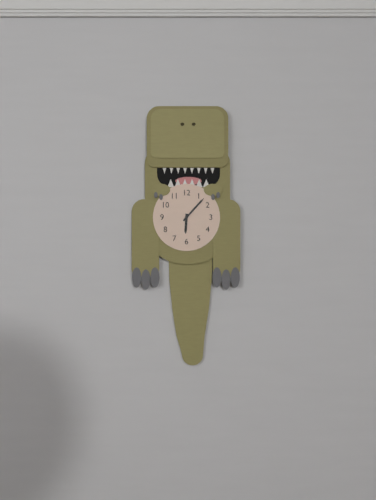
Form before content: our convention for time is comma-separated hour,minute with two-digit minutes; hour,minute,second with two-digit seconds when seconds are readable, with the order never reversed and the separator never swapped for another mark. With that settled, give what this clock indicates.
6,07
